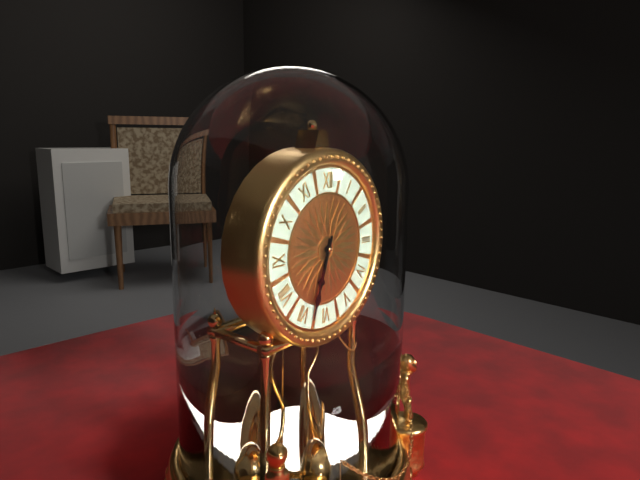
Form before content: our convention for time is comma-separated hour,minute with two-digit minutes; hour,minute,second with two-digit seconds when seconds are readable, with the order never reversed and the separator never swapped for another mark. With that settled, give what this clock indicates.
6,33
